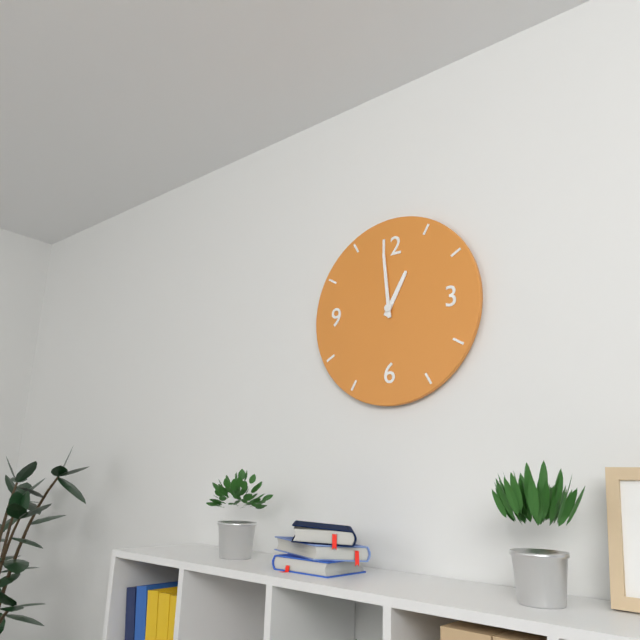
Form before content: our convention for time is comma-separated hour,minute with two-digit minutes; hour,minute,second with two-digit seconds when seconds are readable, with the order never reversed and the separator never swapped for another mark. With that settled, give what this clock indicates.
12,59
